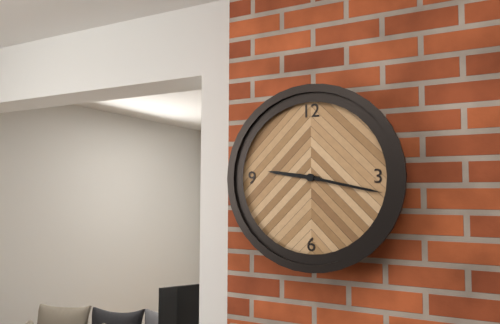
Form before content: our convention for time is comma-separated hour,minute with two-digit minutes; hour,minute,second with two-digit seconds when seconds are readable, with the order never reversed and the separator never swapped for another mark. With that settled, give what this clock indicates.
9,17
